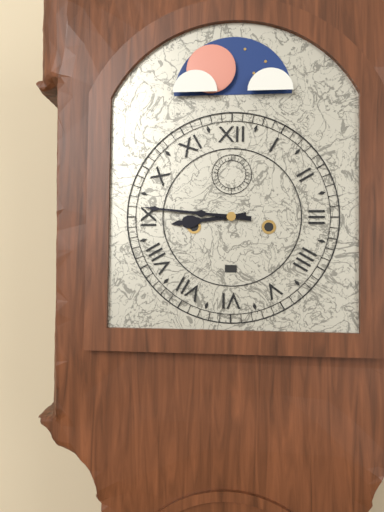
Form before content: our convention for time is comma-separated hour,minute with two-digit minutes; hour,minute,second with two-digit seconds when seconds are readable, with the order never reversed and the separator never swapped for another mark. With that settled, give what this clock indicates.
8,46
